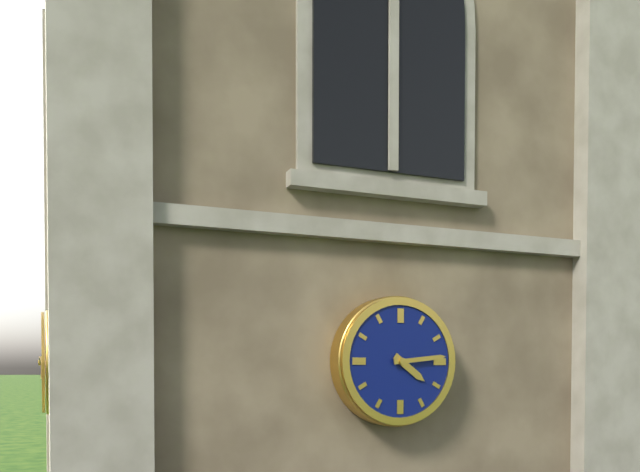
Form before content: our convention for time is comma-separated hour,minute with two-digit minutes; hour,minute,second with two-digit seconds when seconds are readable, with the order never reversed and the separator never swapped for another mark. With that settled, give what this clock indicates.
4,14
